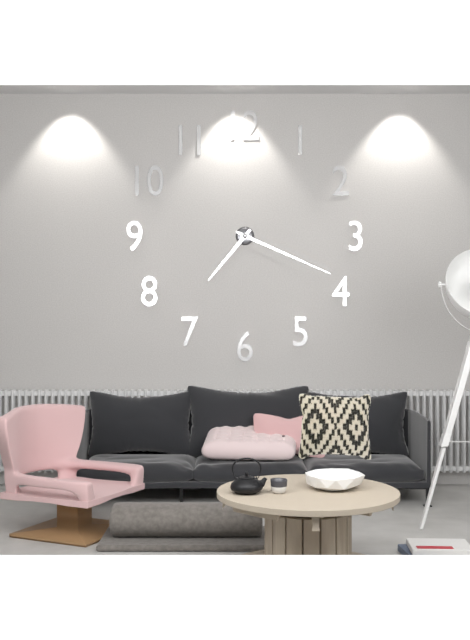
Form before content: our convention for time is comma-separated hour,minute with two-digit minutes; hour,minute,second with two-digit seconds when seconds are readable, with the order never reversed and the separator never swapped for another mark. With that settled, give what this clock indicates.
7,19
